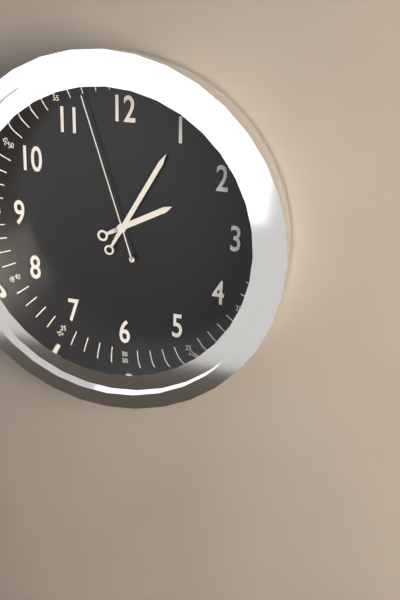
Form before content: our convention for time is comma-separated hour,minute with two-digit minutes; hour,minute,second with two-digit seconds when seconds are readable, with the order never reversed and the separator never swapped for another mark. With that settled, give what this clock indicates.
2,05,57
